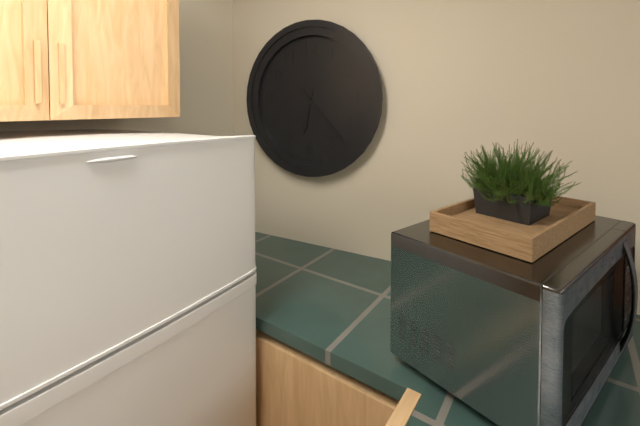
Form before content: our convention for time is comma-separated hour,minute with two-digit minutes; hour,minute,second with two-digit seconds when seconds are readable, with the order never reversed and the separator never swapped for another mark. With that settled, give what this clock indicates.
6,23
